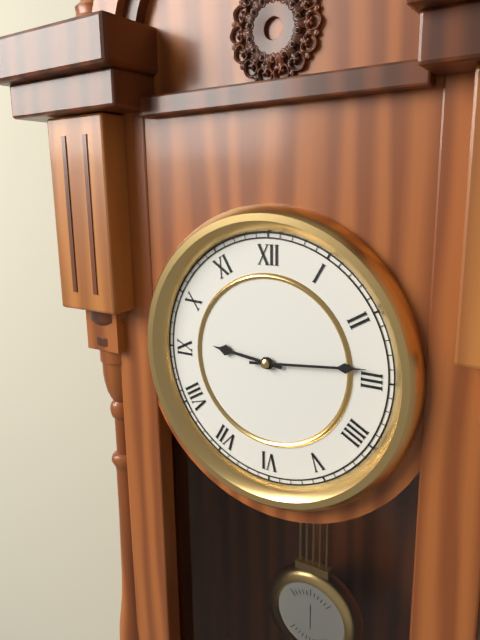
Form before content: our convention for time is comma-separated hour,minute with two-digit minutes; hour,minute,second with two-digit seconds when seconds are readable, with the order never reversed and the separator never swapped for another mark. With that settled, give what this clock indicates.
9,14
